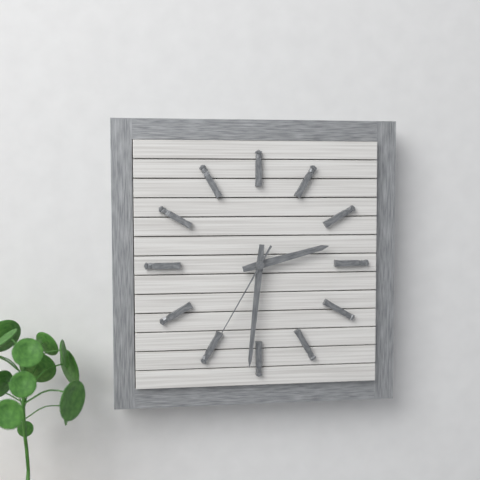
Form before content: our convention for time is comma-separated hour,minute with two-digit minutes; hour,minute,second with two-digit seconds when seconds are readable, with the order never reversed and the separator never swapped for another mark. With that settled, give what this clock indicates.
2,31,35
